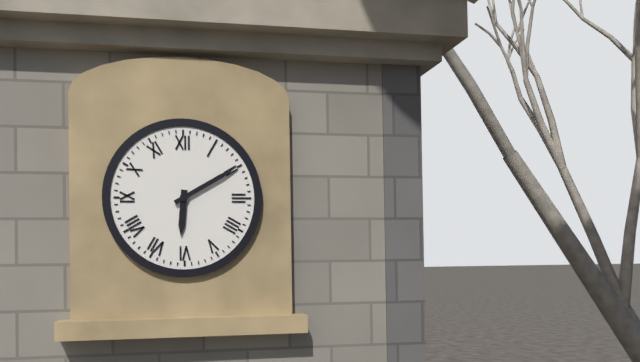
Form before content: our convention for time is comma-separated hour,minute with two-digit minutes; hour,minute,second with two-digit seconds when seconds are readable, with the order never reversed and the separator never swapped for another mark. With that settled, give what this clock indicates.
6,10
